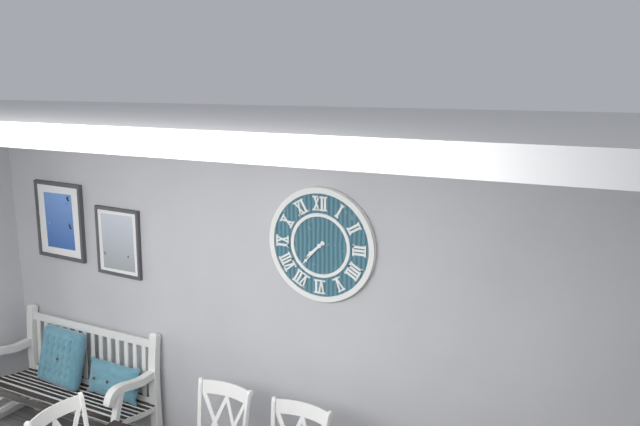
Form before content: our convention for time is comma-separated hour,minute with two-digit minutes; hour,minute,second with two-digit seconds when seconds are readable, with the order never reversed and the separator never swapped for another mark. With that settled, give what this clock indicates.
7,37
